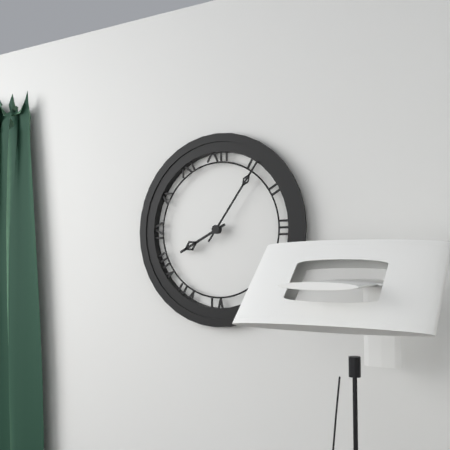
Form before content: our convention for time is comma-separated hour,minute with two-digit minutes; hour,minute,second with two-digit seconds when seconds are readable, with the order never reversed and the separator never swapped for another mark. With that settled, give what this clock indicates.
8,06
